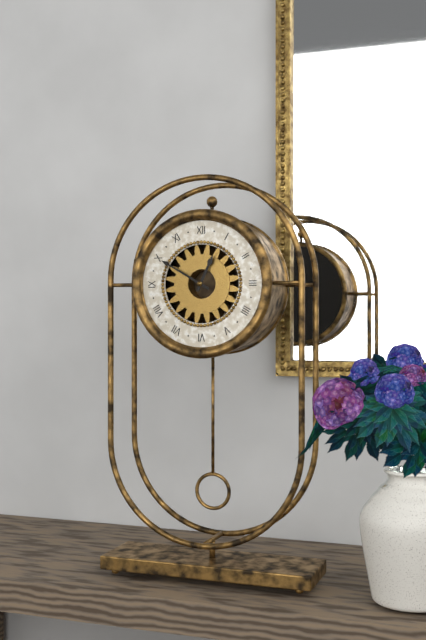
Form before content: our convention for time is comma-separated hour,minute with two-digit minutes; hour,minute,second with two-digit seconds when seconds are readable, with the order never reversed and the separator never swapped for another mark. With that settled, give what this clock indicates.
12,50
